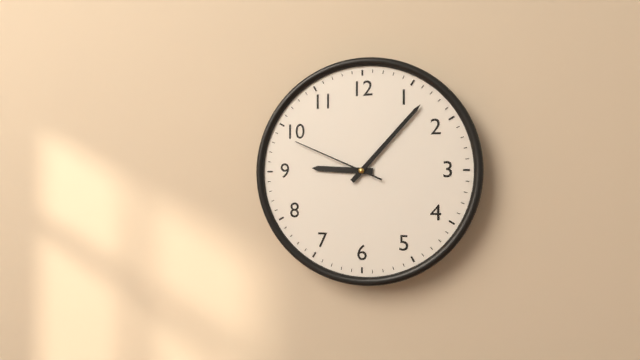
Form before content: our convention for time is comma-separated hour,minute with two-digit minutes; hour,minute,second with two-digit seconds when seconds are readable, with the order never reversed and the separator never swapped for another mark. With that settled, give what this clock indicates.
9,07,49
